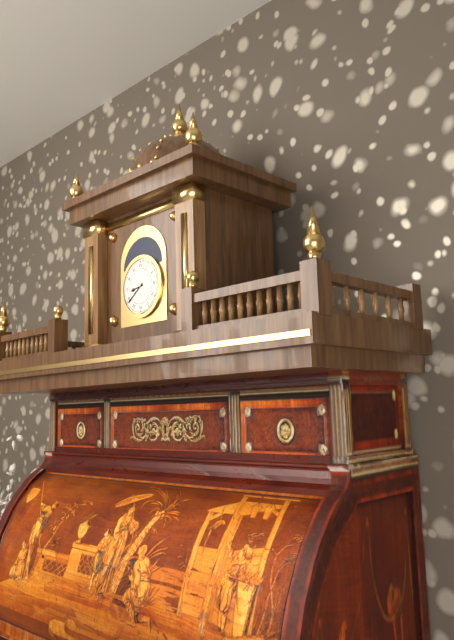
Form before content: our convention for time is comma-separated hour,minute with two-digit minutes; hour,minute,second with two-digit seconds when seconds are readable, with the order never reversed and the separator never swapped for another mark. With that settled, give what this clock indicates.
8,39
